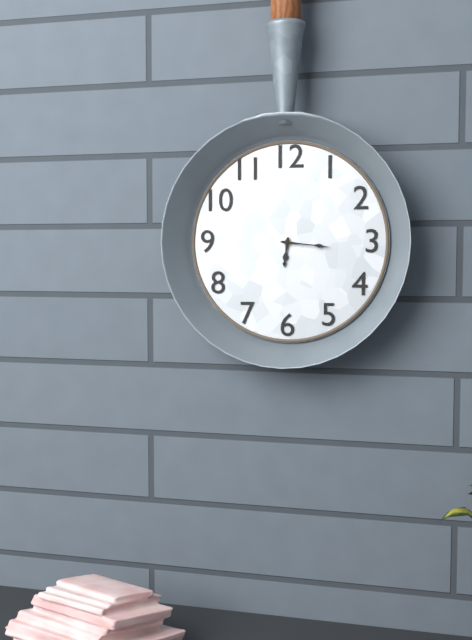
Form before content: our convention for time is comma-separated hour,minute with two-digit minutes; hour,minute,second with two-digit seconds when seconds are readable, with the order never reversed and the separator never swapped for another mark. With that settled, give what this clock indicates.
6,16
